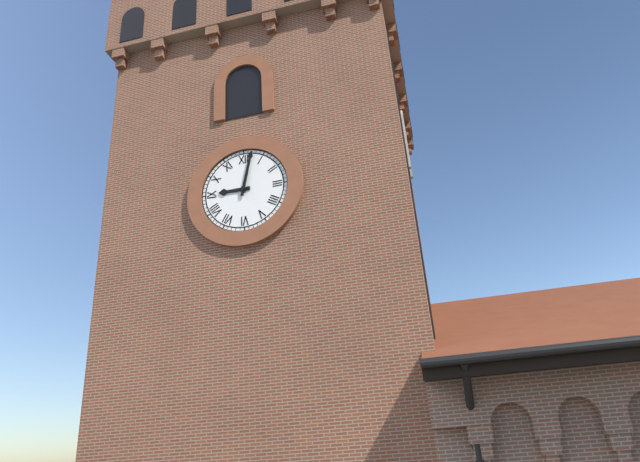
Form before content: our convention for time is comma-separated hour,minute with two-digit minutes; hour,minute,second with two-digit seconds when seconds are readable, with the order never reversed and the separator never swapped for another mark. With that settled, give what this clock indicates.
9,02
